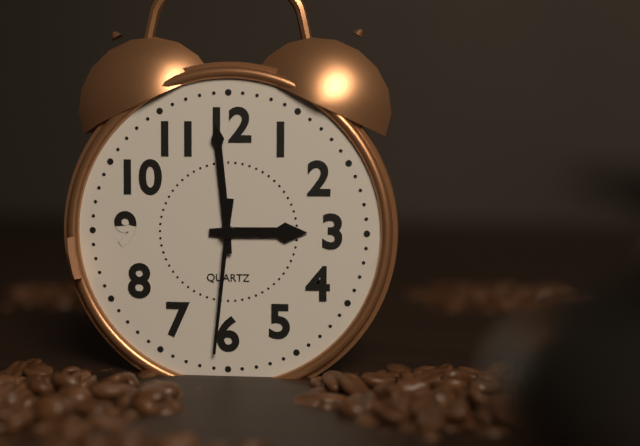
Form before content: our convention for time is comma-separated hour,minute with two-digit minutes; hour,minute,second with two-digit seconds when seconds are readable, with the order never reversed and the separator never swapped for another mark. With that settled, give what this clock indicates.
2,59,31
